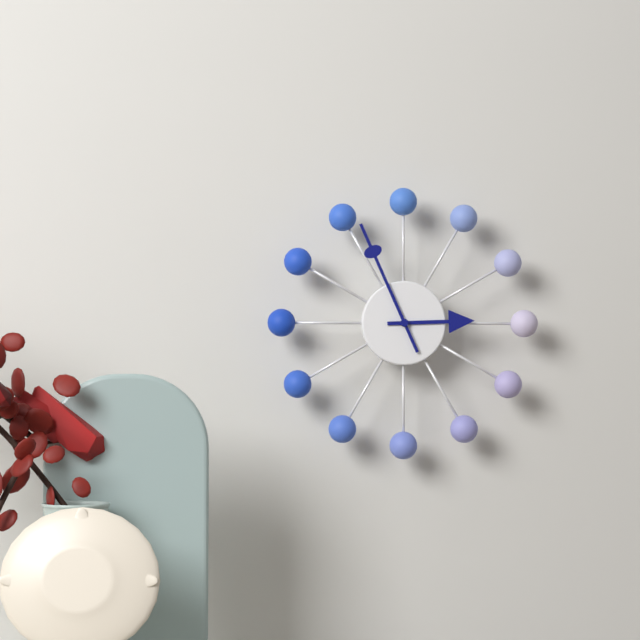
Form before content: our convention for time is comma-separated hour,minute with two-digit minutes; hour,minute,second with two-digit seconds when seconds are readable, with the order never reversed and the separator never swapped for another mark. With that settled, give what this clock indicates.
2,56
